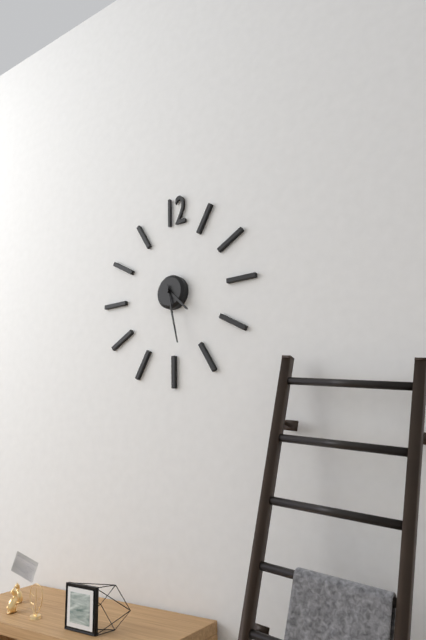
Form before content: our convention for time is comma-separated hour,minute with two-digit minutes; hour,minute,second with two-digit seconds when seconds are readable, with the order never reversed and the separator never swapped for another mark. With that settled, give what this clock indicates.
4,28
